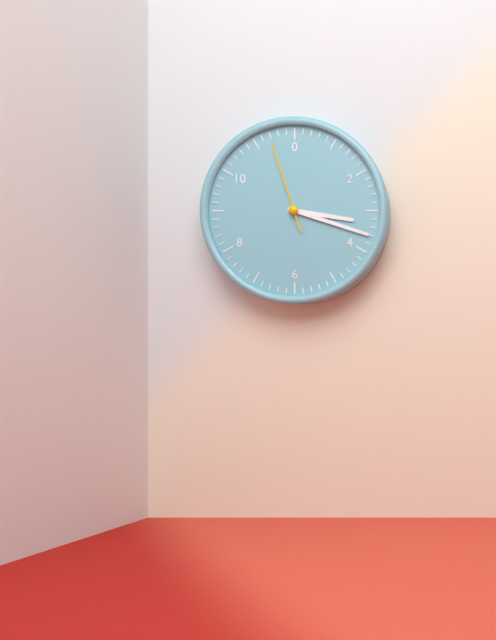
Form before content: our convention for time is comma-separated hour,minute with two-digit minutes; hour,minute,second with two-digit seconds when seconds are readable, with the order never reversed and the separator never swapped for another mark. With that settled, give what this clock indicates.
3,18,57
